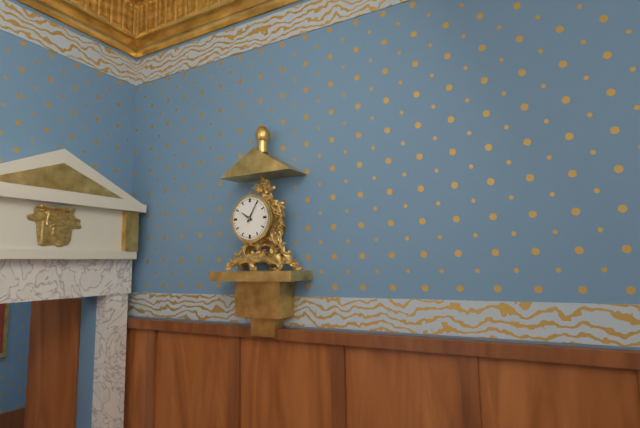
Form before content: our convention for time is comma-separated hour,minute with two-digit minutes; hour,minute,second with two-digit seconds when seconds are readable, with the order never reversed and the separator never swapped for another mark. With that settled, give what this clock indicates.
10,05
